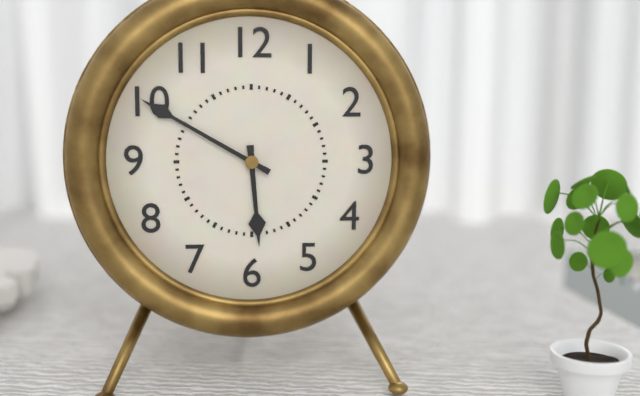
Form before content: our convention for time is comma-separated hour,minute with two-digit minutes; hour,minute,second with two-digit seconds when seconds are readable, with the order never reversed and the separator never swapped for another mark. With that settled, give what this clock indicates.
5,50
